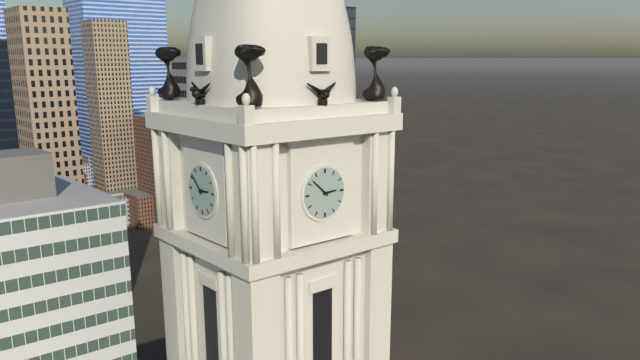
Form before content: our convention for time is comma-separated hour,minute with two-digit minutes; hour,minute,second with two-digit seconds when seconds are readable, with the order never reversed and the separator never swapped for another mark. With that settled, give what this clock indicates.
2,52
